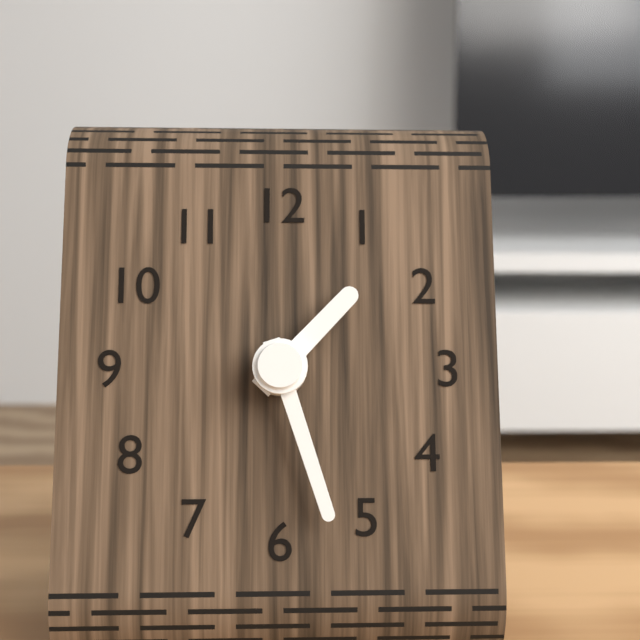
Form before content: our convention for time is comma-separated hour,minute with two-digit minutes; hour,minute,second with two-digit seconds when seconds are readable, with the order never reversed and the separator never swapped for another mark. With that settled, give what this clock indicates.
1,27
